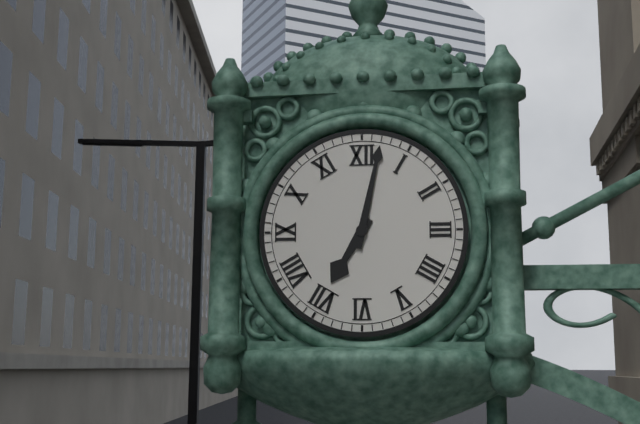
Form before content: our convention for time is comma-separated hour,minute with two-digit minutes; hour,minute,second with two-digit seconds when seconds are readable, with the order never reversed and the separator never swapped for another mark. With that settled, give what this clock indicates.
7,02
